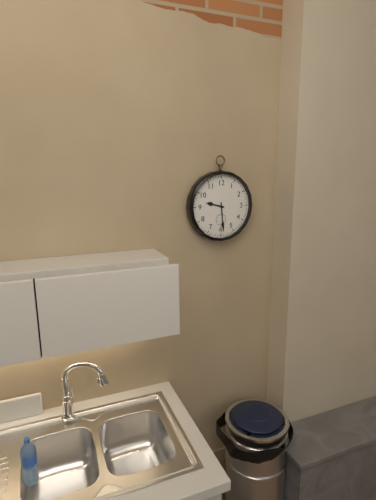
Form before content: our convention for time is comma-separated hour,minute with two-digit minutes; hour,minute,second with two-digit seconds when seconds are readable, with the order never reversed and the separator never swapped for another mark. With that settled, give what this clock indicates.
9,29
